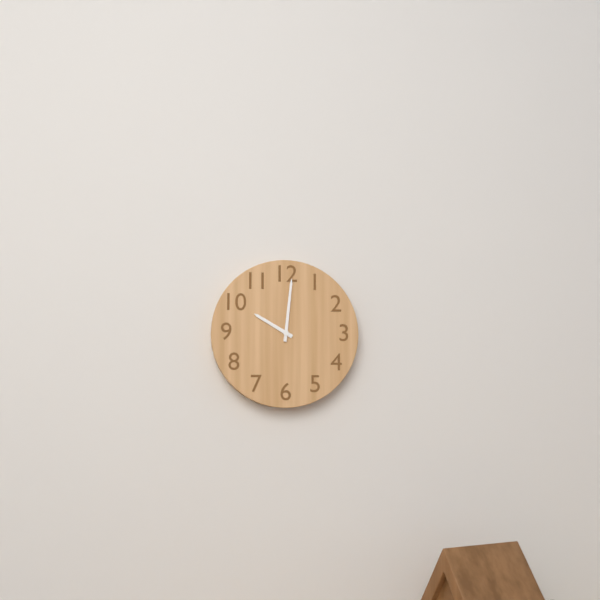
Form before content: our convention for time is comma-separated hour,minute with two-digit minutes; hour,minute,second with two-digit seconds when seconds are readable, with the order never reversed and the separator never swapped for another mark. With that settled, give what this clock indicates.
10,01
